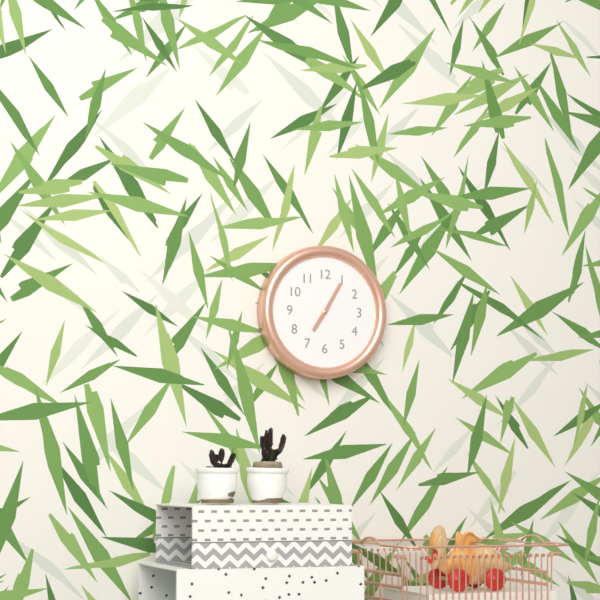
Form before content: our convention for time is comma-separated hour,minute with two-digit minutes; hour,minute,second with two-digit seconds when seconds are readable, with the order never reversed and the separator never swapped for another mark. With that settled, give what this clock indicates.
7,05
